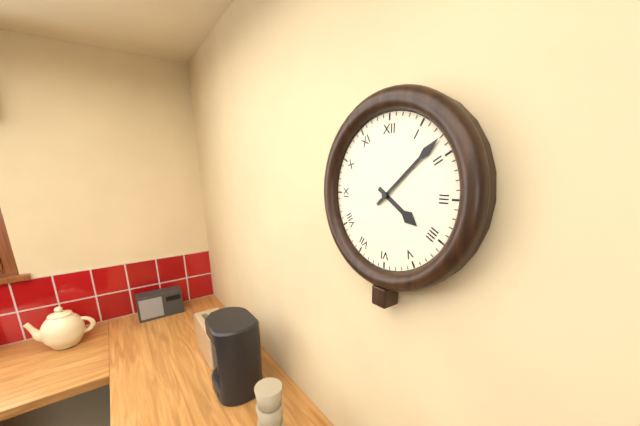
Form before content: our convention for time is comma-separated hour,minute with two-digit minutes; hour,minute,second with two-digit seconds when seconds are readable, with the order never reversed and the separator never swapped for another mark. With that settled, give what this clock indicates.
4,08
